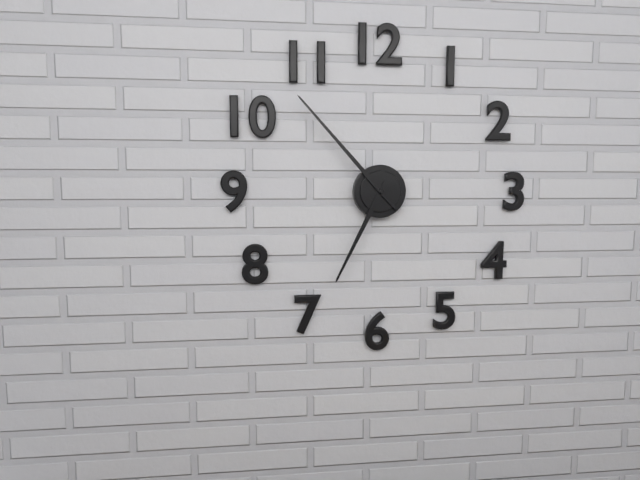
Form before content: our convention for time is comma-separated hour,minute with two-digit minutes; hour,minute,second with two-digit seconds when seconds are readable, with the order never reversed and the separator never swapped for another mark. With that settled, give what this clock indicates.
6,53
